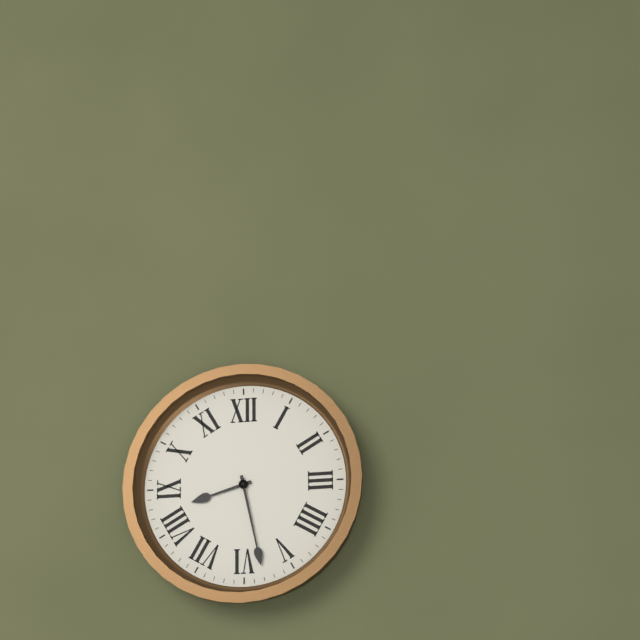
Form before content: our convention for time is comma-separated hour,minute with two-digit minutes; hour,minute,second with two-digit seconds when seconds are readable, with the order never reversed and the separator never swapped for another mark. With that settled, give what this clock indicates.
8,28
